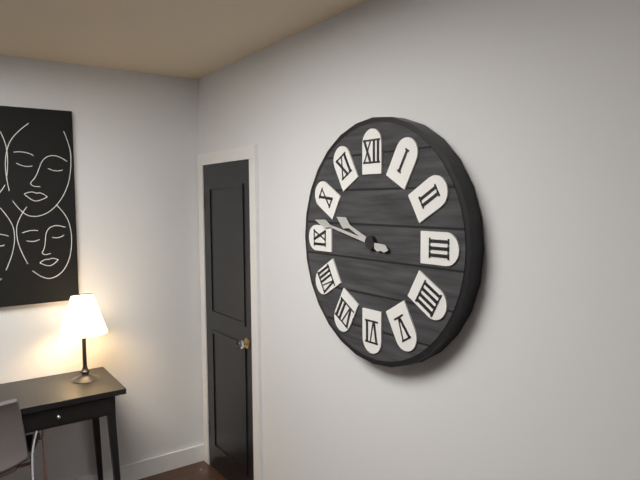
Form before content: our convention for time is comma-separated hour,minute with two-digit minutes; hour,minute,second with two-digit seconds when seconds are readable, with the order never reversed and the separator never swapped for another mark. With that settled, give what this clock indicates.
9,47
